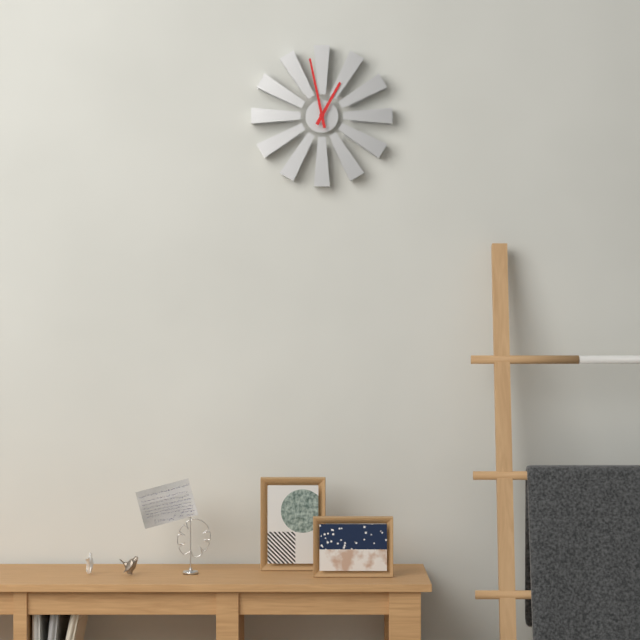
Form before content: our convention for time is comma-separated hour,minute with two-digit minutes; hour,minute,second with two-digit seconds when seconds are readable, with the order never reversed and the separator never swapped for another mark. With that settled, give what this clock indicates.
12,58
